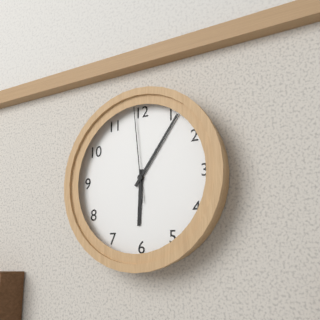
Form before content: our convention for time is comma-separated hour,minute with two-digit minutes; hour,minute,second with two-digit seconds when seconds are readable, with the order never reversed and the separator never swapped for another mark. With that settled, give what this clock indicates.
6,06,59
